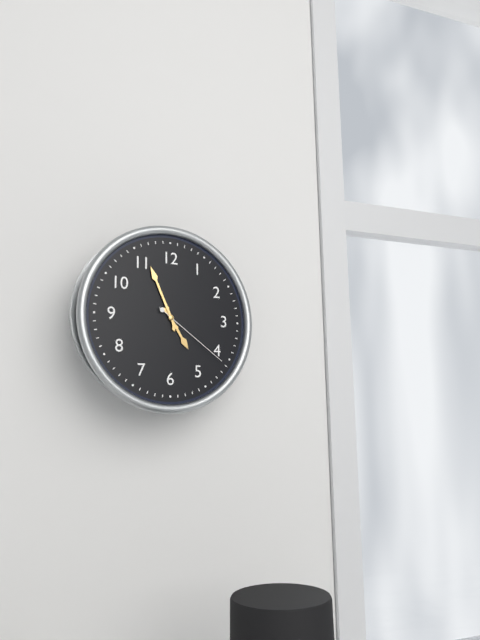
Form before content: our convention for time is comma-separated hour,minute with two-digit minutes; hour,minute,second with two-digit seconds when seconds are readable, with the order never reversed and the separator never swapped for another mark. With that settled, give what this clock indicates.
4,56,21
